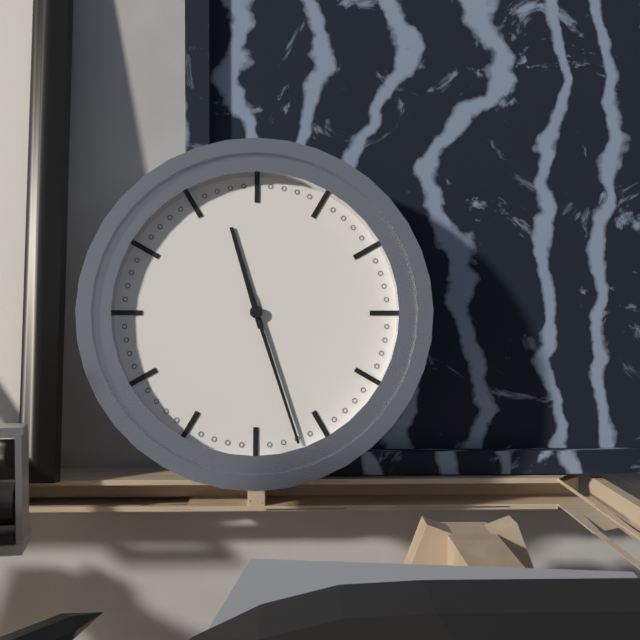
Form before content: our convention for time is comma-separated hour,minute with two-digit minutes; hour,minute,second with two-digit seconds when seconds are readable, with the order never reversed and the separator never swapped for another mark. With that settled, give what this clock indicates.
11,27
